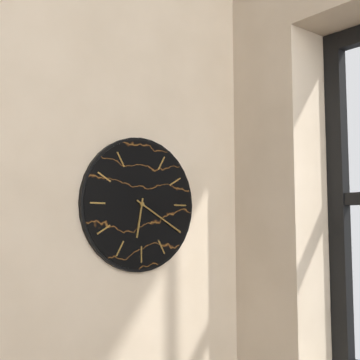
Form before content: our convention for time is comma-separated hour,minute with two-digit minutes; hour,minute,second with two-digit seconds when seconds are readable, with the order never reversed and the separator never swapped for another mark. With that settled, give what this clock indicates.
6,20
